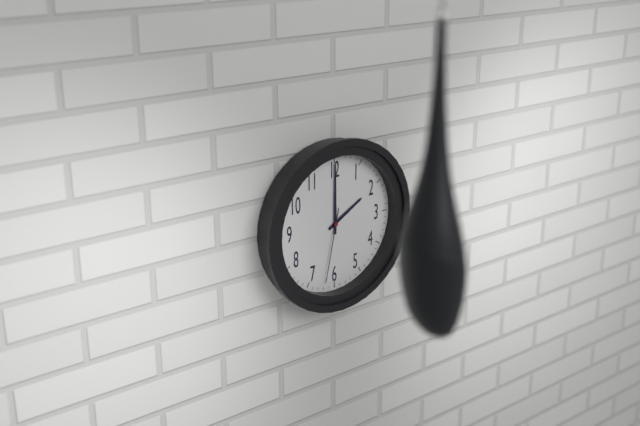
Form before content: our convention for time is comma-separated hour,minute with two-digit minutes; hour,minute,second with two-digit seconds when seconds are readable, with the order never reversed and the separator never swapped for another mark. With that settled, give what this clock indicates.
2,00,32
